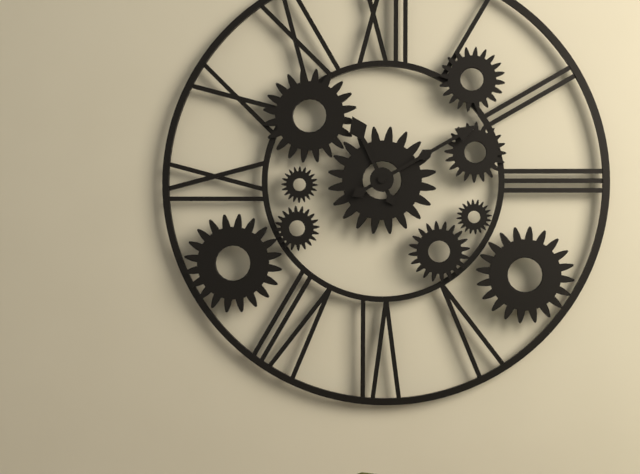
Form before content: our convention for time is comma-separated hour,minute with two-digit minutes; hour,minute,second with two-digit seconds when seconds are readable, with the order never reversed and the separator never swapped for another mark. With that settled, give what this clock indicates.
11,10
